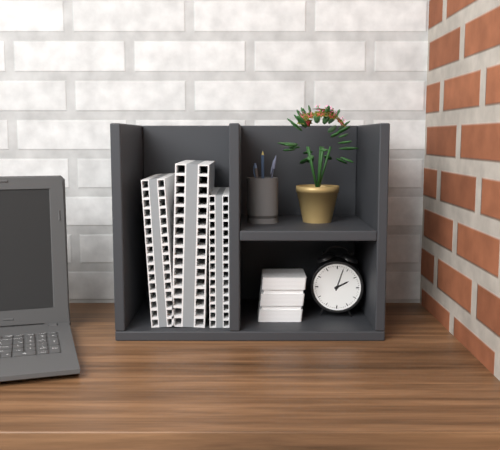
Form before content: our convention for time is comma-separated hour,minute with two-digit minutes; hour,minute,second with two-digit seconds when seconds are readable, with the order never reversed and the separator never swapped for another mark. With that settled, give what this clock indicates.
2,03
